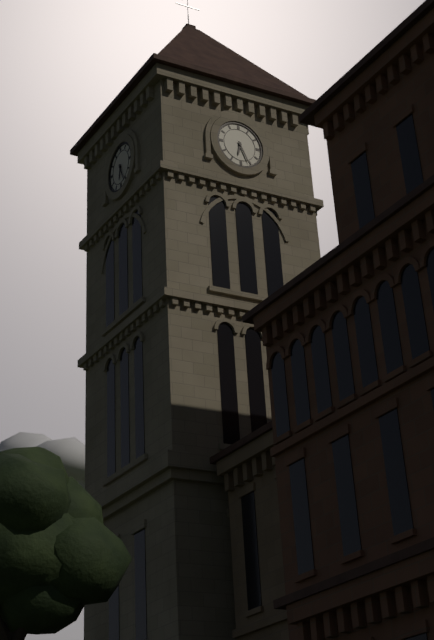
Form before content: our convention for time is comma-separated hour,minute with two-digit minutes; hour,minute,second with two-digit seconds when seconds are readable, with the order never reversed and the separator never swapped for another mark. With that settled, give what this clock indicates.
6,26
